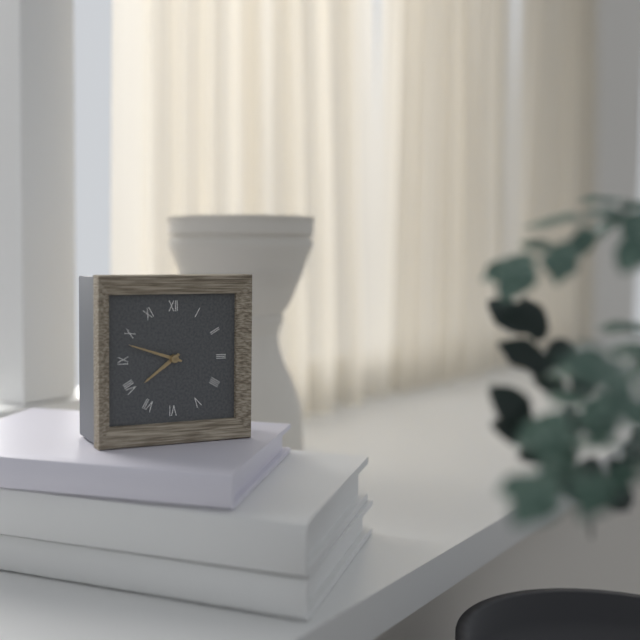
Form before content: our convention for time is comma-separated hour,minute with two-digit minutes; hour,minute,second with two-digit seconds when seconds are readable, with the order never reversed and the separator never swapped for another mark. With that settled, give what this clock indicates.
7,48
